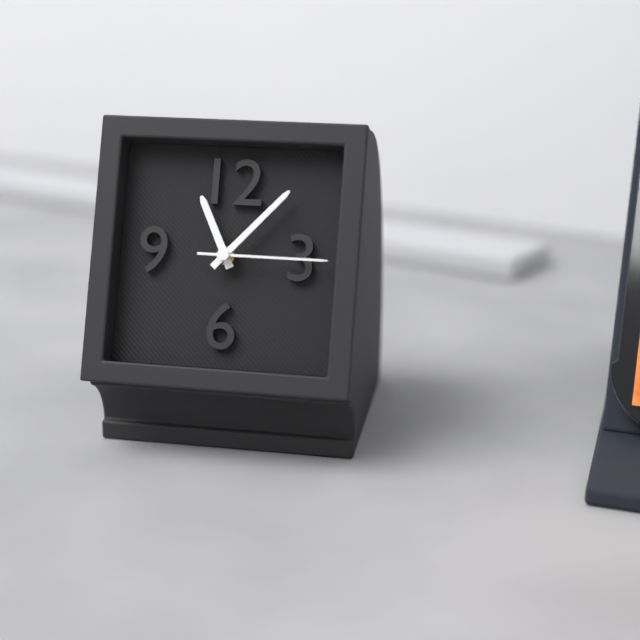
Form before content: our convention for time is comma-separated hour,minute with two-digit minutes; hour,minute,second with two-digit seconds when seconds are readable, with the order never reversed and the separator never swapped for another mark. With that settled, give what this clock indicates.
11,07,15
